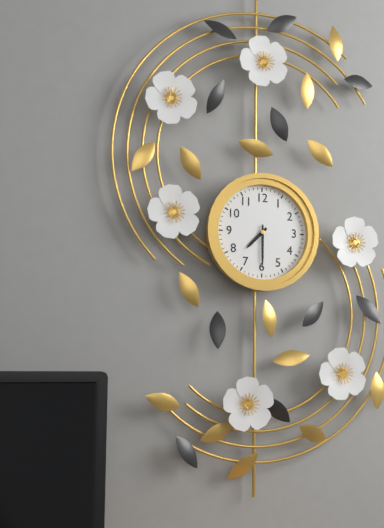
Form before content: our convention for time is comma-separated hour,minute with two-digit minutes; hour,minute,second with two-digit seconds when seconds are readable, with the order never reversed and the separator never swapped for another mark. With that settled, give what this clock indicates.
7,30
